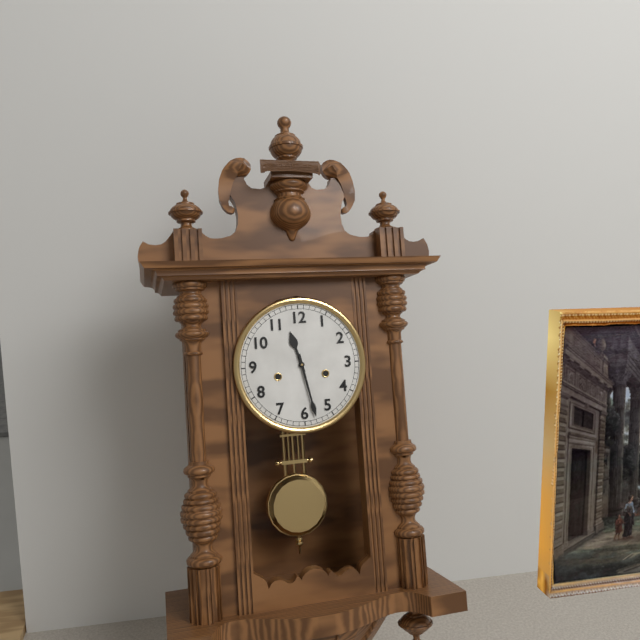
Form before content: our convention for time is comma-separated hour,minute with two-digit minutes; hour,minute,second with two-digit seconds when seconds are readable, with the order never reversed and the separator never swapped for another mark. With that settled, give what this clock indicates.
11,28
